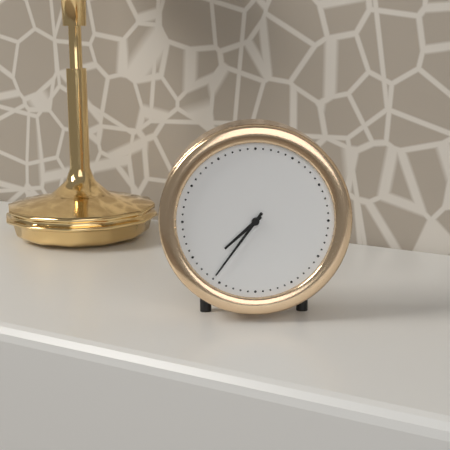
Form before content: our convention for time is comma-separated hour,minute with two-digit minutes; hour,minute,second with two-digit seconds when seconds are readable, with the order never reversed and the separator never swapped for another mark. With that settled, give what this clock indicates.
7,36
